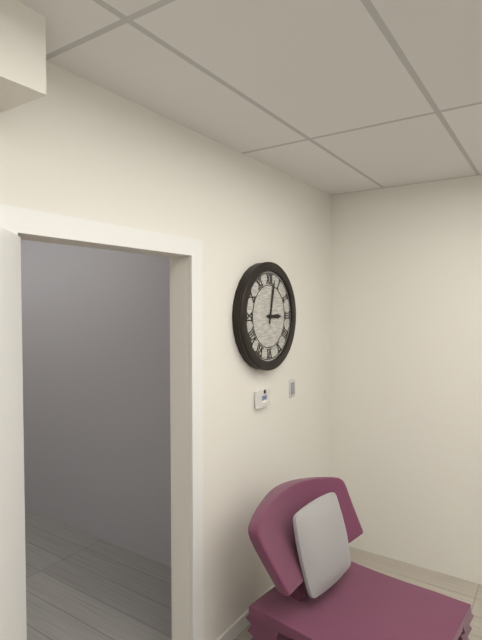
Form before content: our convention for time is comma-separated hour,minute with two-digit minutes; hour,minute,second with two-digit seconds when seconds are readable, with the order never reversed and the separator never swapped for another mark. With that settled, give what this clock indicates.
3,02
